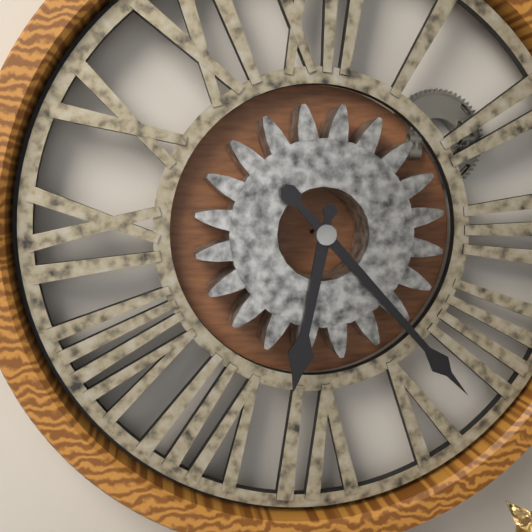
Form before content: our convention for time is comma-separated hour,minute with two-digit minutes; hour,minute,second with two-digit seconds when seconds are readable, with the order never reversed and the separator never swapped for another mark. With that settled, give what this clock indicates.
6,23
